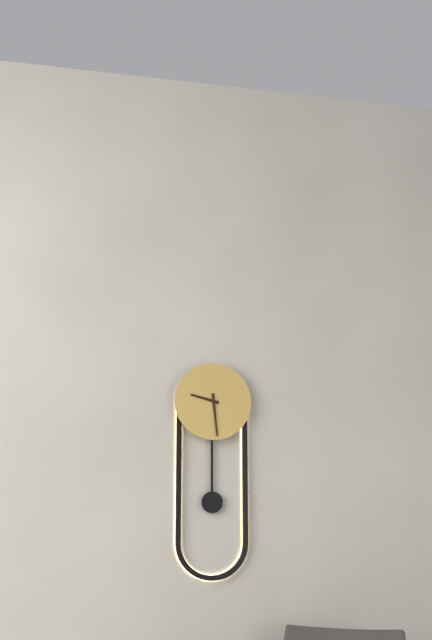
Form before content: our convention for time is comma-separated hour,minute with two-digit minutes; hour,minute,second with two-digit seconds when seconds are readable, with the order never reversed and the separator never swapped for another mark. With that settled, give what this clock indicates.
9,29
